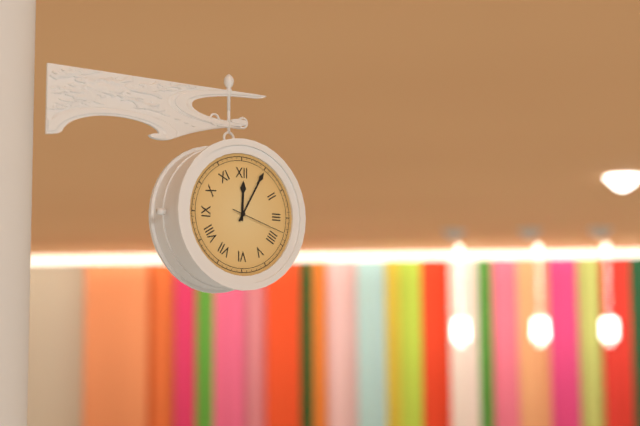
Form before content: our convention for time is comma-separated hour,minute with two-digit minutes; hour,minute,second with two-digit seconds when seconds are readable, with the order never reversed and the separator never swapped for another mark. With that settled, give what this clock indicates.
12,05,18
